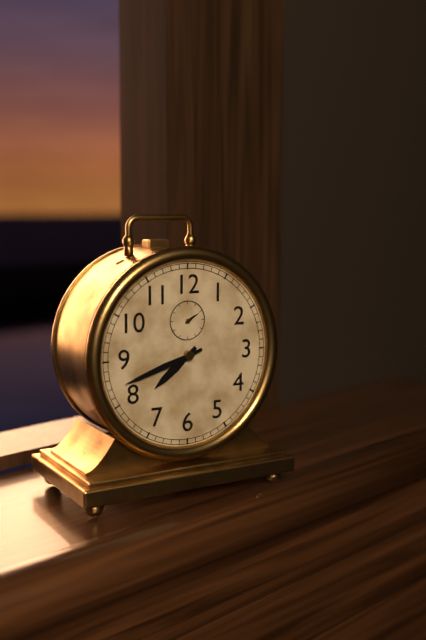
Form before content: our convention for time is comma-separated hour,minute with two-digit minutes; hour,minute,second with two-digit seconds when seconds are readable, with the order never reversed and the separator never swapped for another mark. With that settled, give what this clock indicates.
7,42
